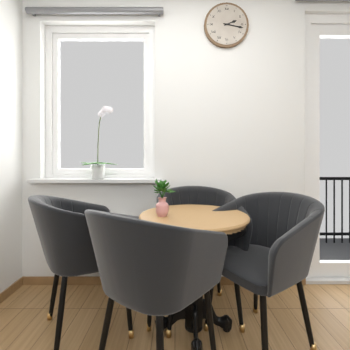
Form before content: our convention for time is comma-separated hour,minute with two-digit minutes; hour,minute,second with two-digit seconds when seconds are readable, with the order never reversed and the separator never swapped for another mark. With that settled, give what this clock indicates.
2,17
